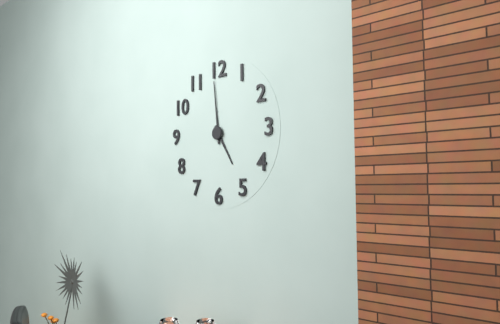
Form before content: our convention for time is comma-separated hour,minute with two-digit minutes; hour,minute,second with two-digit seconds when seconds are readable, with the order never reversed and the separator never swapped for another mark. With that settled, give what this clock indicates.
4,59
